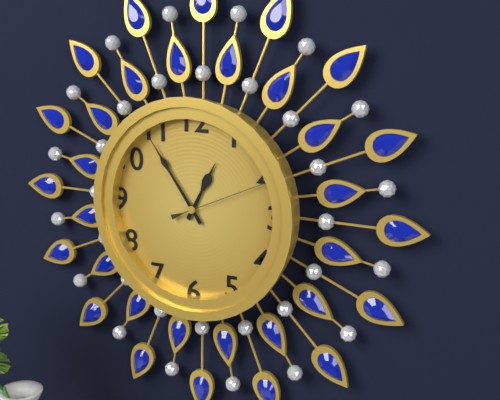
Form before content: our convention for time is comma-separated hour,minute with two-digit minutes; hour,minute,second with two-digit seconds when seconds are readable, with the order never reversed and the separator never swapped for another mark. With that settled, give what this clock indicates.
12,54,11
